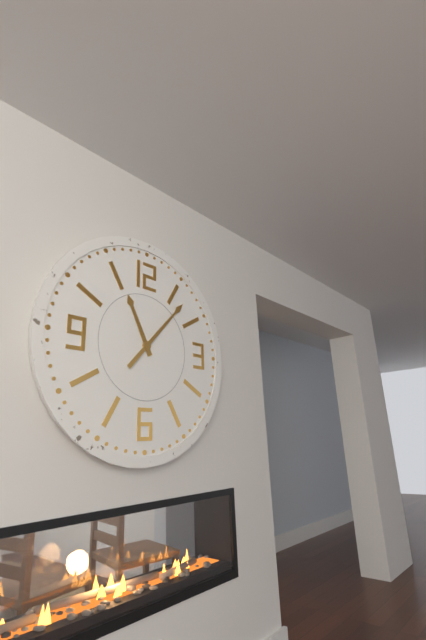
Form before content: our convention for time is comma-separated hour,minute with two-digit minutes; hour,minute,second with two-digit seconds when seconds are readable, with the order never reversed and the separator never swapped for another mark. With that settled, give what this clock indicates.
11,07
